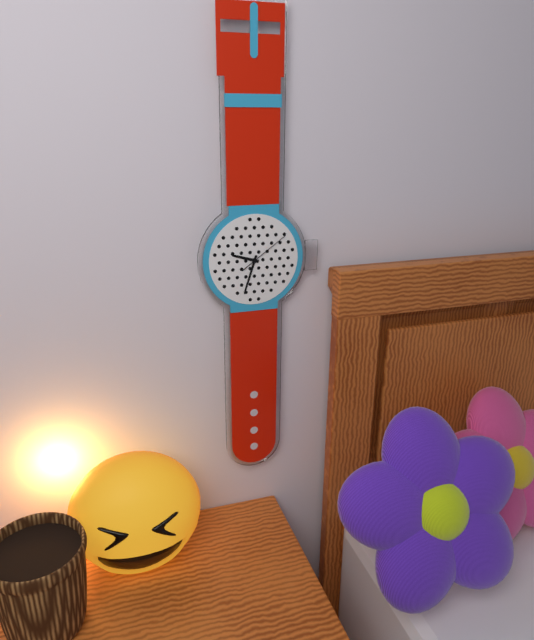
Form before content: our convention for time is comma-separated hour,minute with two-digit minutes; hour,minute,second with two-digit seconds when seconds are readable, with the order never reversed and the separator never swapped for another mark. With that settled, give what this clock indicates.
9,33,09
